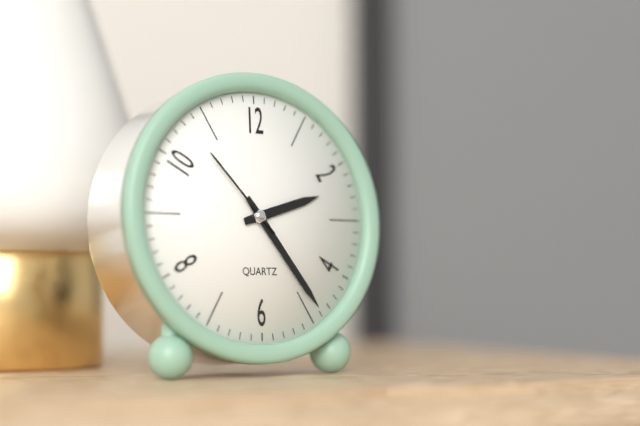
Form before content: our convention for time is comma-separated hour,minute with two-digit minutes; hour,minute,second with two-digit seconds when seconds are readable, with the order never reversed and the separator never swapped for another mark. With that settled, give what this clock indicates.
2,24,53
